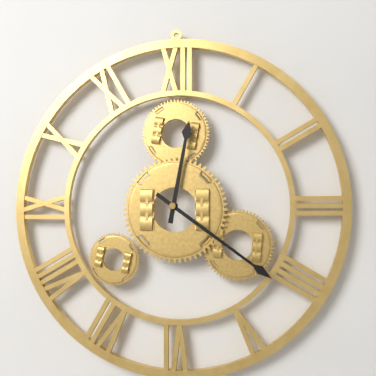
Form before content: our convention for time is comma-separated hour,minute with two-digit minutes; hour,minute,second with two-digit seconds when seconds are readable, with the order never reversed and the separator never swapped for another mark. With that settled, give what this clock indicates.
12,21
